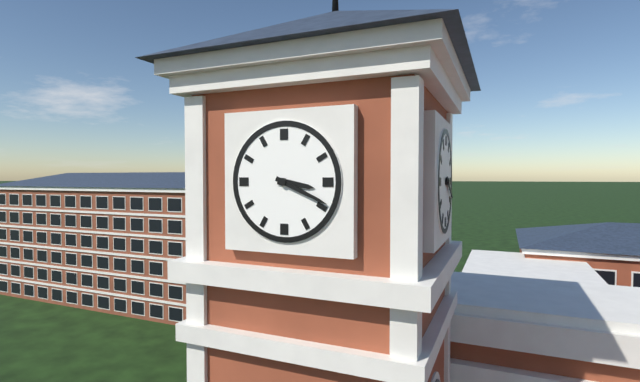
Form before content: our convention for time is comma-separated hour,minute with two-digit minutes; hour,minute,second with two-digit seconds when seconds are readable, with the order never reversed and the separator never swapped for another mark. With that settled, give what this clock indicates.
3,19
